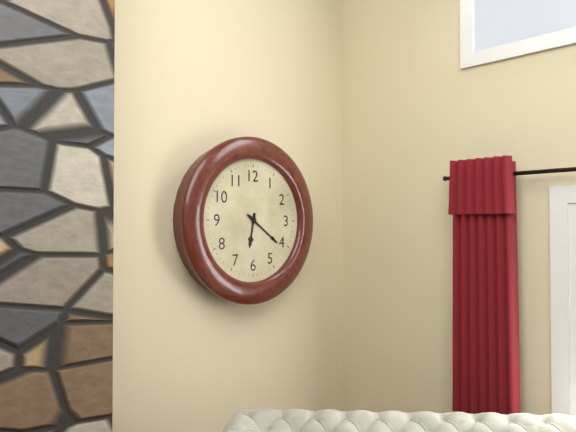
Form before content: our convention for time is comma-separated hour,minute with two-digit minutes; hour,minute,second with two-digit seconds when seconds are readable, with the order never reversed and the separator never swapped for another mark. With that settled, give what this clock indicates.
6,21
